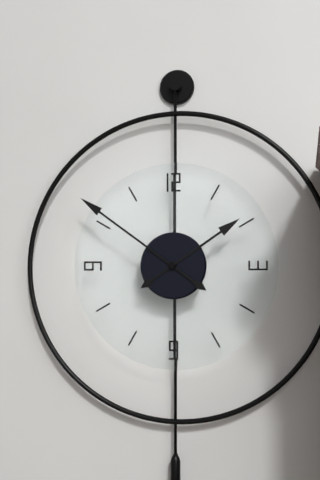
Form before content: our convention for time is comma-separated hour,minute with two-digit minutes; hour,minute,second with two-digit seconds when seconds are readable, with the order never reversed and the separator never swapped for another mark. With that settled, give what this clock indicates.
1,51
